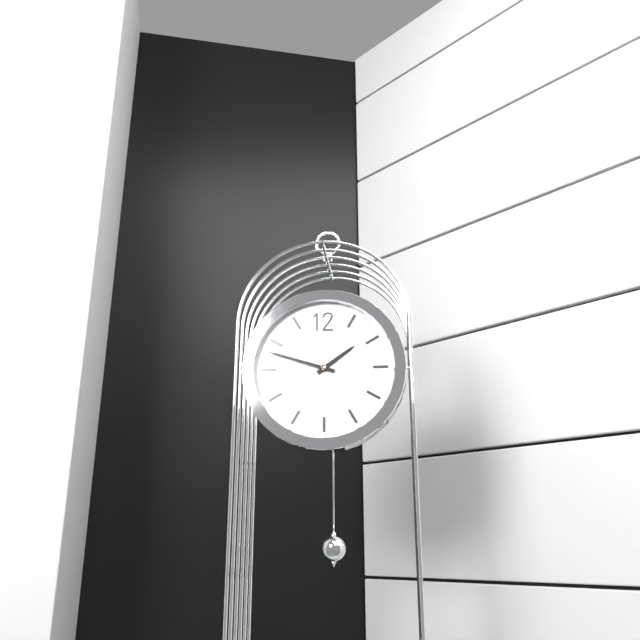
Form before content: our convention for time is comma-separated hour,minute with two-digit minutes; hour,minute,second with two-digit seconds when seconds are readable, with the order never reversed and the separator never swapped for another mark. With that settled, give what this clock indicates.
1,48
